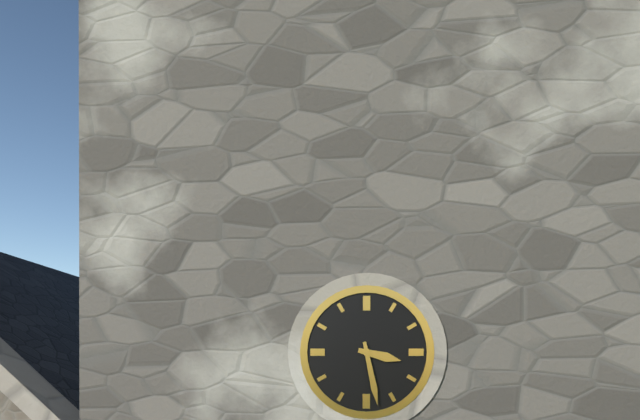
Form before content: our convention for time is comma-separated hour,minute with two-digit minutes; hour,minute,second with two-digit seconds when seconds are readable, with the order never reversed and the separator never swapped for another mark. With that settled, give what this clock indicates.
3,28
